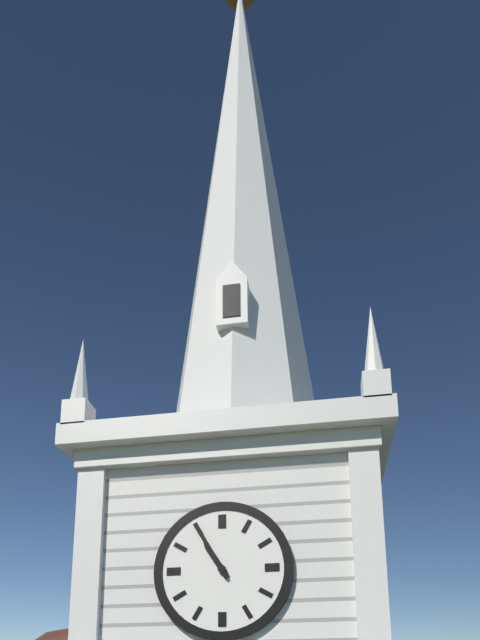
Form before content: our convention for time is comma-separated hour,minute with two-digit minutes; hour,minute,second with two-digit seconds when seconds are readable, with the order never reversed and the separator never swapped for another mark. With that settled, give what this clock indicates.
10,55
